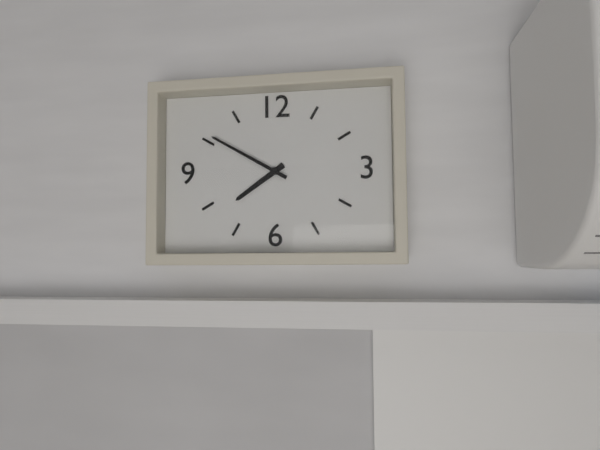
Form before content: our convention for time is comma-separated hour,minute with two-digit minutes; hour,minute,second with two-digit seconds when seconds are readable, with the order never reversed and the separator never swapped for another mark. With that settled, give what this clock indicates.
7,50
